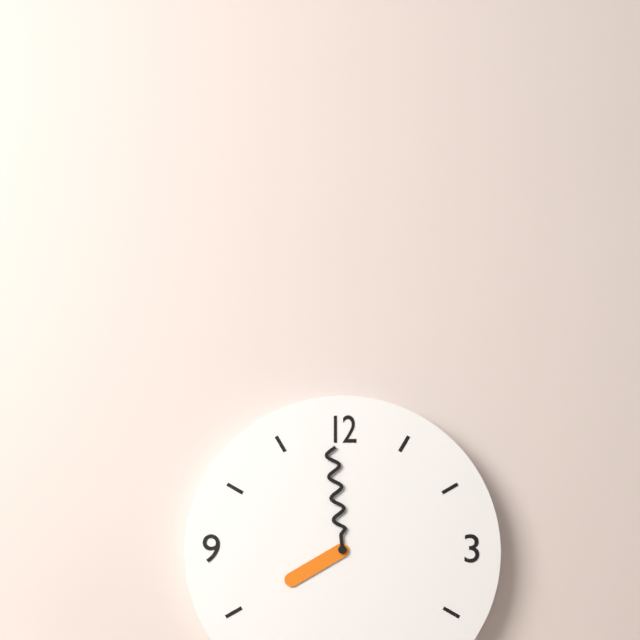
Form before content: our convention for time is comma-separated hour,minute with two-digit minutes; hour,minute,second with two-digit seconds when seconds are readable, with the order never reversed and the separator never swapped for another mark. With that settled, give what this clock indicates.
7,59
